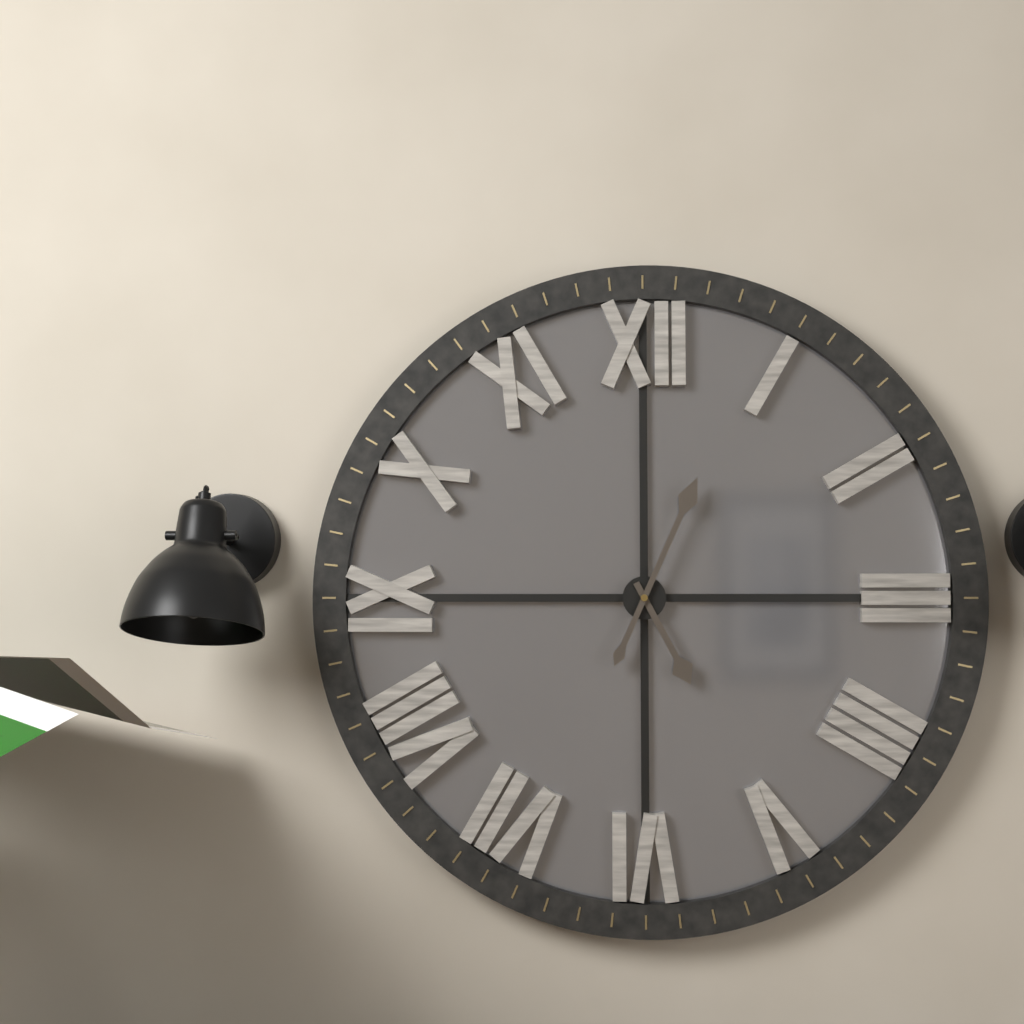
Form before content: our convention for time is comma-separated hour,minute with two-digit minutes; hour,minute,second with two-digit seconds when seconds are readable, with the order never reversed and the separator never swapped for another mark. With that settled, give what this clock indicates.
5,04
